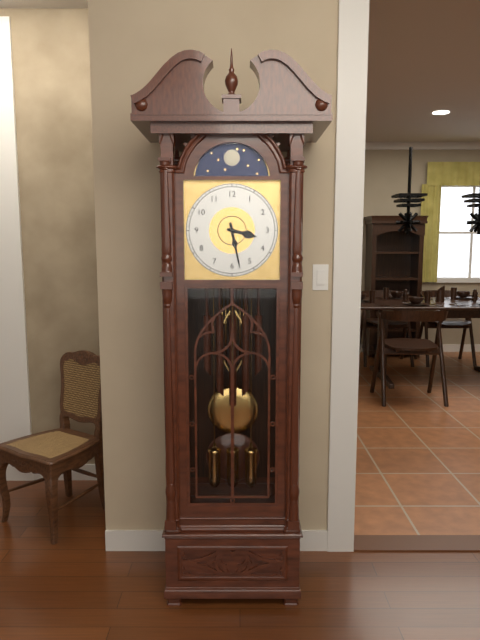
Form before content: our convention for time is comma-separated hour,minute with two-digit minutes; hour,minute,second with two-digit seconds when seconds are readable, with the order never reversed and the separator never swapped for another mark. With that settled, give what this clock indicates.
3,28
